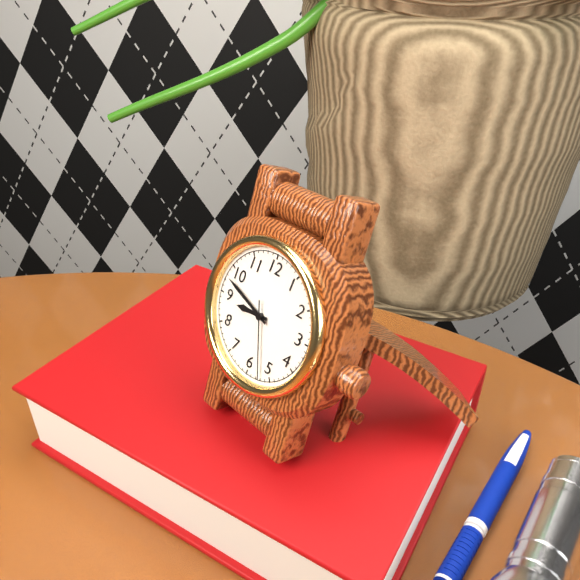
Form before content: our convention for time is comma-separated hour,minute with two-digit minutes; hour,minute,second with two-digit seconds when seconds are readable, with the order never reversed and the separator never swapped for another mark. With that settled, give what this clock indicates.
8,48,27
